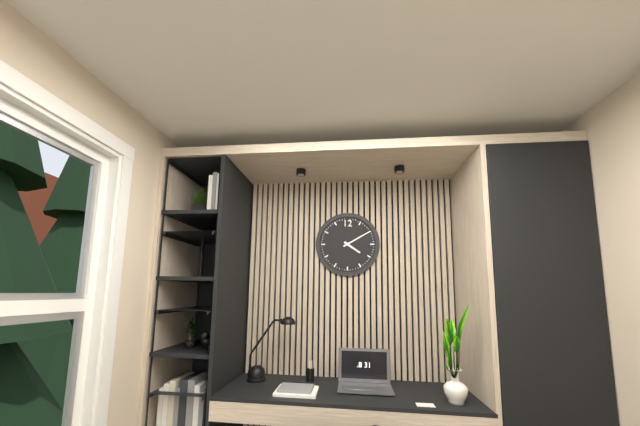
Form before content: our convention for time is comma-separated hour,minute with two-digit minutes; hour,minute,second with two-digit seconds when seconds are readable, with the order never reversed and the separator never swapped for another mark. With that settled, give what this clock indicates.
4,10
